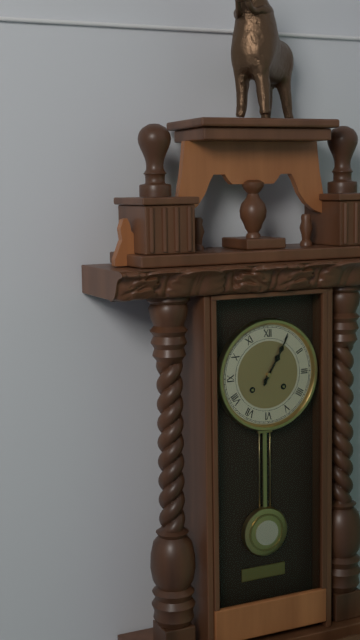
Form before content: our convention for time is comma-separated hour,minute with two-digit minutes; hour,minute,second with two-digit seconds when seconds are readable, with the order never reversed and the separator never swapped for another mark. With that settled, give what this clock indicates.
1,05
